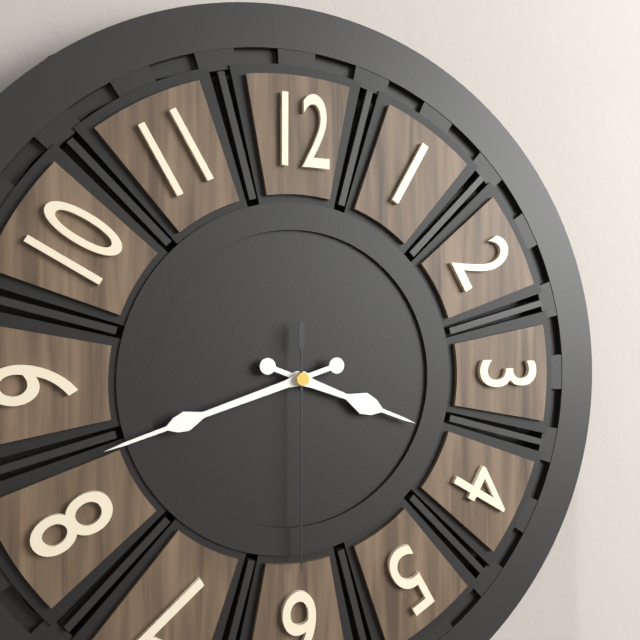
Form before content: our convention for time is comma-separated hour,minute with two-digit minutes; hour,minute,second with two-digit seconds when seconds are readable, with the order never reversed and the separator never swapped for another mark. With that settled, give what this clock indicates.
3,42,30
